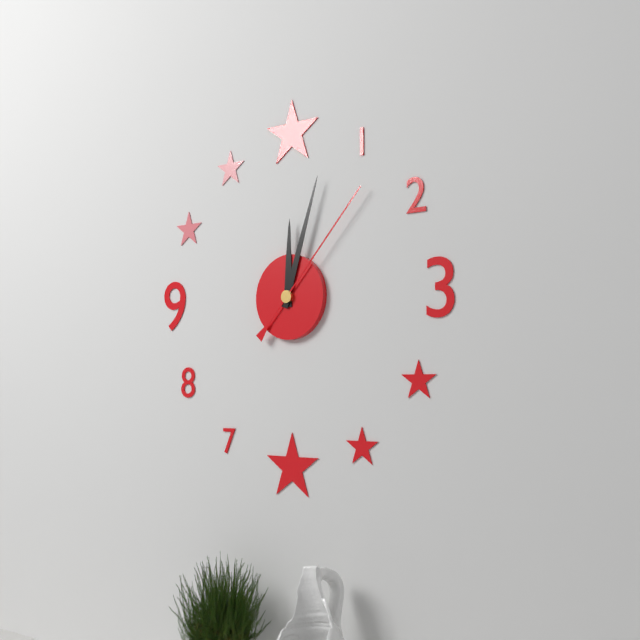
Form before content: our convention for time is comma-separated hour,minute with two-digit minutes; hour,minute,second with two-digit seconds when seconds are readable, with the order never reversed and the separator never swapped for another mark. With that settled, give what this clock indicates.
12,03,07
